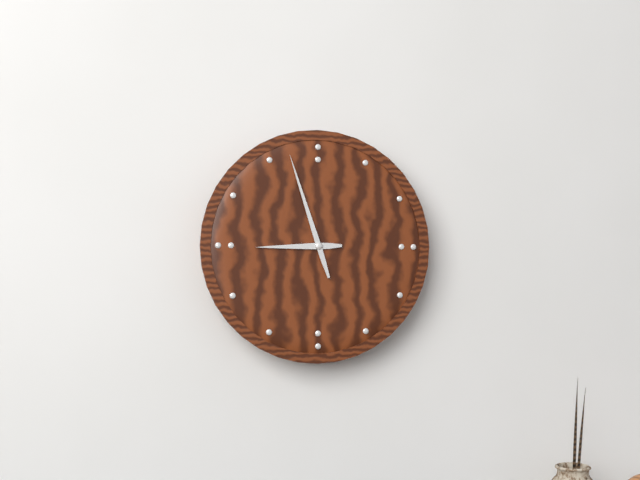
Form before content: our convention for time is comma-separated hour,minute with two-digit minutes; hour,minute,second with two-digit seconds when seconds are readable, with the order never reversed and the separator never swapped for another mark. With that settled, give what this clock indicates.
8,57
